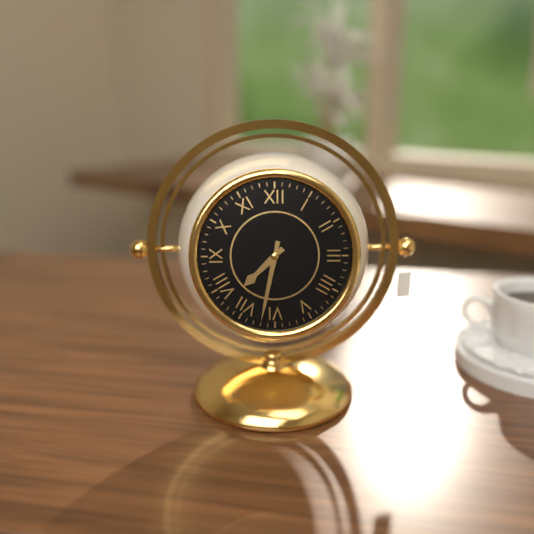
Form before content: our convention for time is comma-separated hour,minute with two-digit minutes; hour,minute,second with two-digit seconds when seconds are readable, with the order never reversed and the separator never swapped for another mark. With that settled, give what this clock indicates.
7,32
